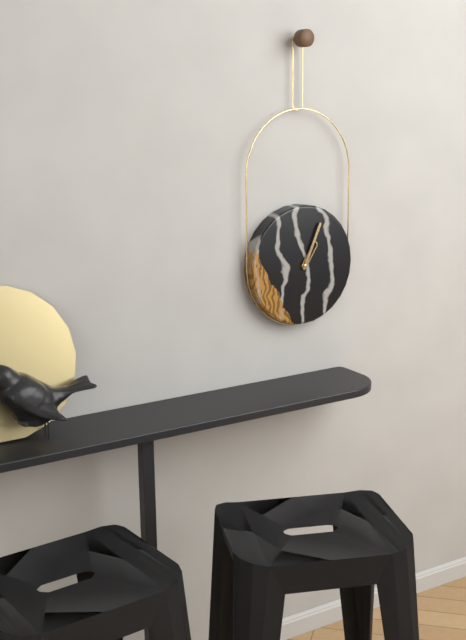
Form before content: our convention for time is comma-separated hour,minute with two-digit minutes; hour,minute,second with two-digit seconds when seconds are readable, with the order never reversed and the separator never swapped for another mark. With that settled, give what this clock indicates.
1,04
